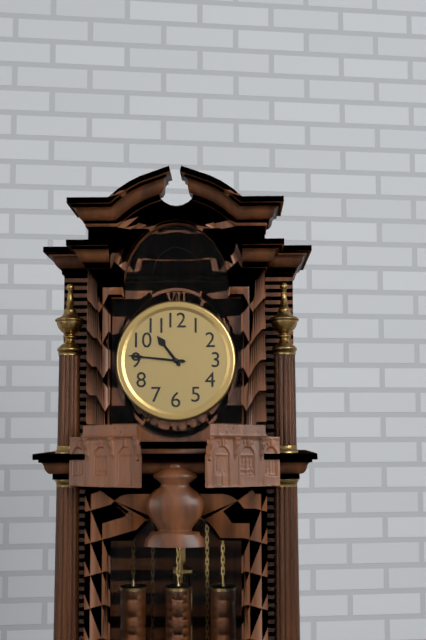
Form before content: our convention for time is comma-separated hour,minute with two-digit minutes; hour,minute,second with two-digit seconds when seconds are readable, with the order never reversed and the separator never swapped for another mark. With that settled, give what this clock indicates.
10,46
